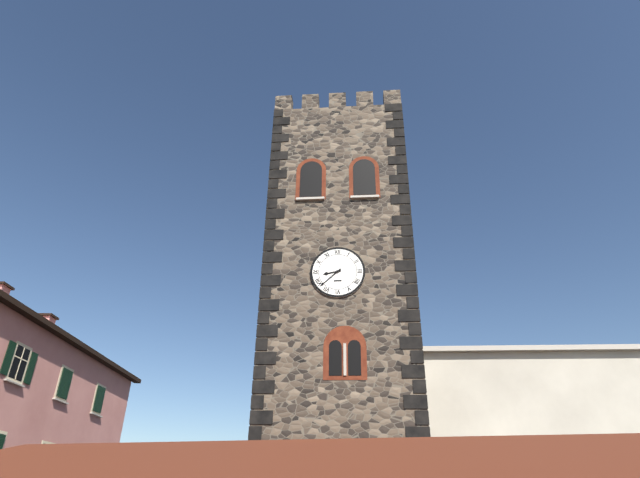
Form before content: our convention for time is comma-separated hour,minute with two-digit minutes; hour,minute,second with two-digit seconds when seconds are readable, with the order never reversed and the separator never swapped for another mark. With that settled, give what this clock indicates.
8,38
